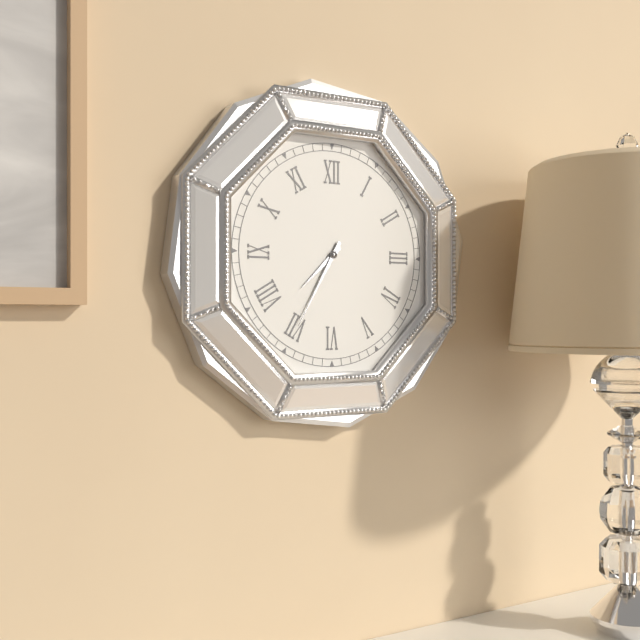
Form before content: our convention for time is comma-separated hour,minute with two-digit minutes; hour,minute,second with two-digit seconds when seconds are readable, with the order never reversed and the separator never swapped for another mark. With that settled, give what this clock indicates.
7,35
